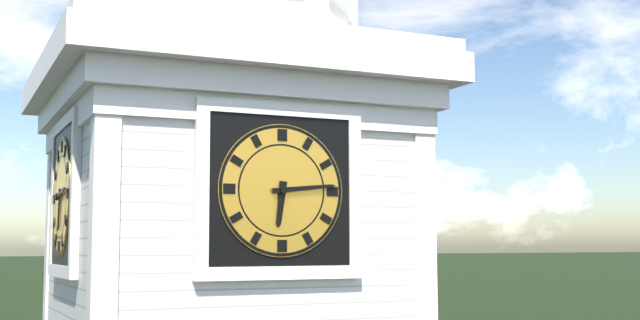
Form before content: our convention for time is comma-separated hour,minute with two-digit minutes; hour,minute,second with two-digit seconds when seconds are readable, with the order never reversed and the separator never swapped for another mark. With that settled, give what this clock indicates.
6,14
